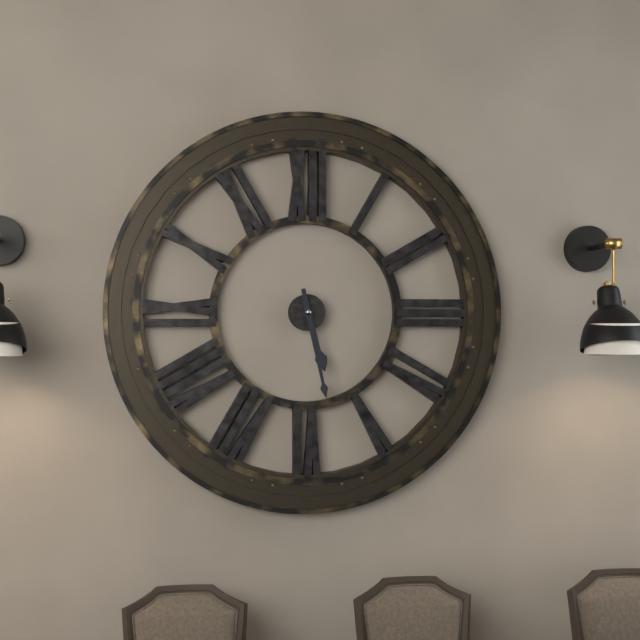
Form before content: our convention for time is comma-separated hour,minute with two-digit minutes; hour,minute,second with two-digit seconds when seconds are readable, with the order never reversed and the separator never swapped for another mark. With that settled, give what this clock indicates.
5,28
